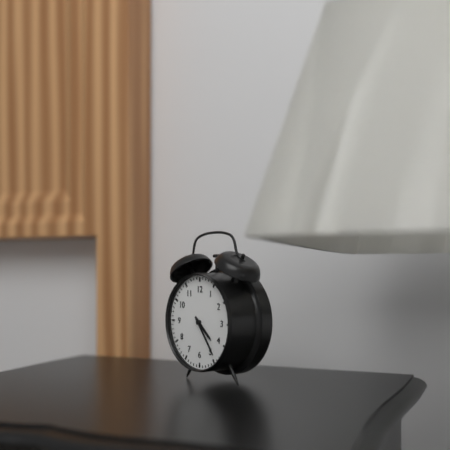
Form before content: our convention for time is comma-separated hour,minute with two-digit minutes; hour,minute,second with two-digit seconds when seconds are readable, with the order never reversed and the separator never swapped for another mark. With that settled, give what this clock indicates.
4,24
